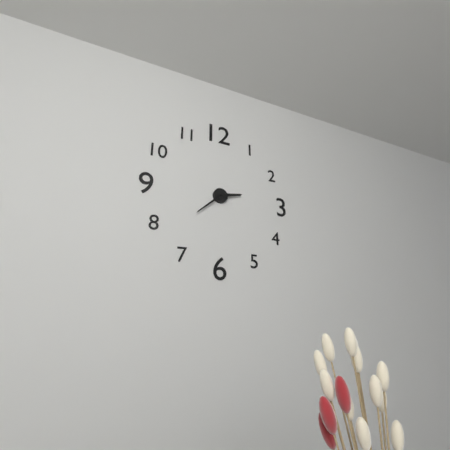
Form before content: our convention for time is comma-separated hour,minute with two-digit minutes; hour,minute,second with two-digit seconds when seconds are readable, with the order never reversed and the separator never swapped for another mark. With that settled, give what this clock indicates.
2,38
